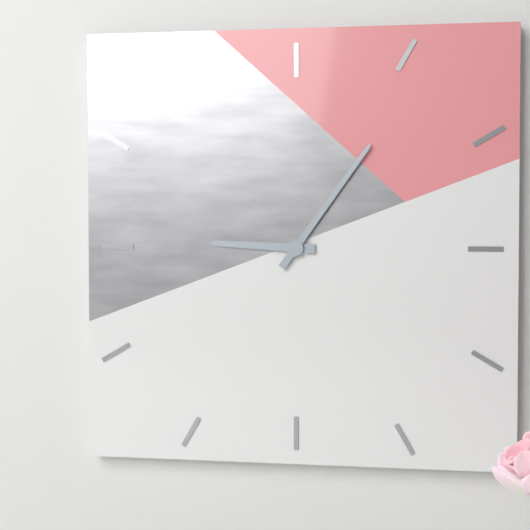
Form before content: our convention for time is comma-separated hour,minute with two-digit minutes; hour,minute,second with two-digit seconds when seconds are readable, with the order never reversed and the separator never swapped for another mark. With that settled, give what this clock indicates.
9,06
